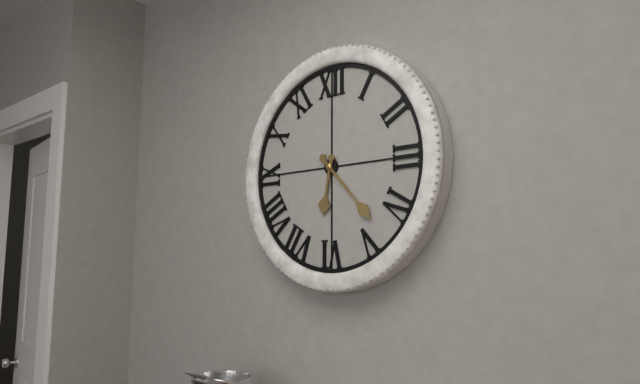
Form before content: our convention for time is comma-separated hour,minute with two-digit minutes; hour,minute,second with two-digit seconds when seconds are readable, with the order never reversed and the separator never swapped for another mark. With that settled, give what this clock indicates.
6,23
